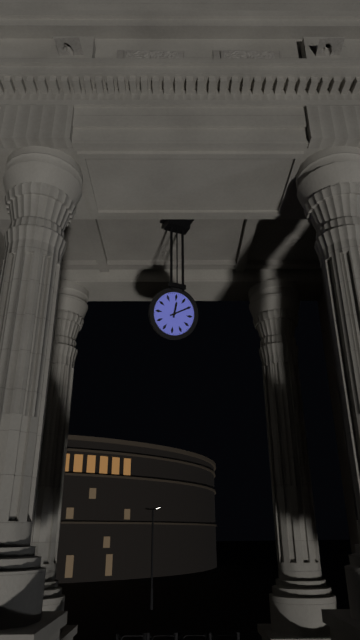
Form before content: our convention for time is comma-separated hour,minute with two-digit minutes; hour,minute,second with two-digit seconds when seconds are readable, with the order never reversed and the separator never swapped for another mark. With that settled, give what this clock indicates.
12,10
